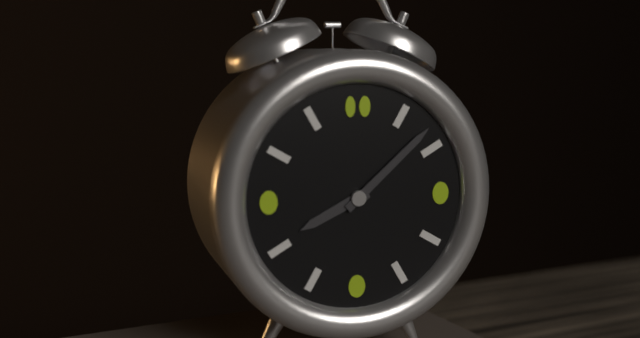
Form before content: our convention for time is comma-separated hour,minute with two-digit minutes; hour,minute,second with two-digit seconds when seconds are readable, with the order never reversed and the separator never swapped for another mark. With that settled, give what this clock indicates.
8,08
